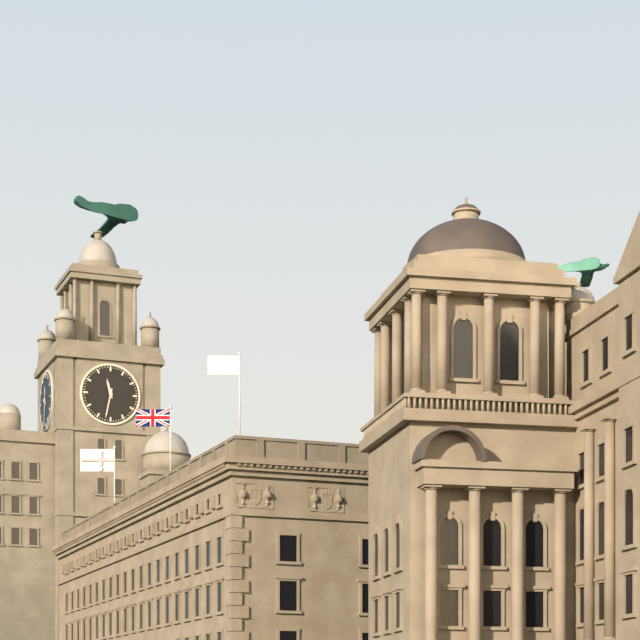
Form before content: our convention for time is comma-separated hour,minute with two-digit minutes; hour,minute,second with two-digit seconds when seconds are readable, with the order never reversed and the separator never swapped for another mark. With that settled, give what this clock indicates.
11,32
